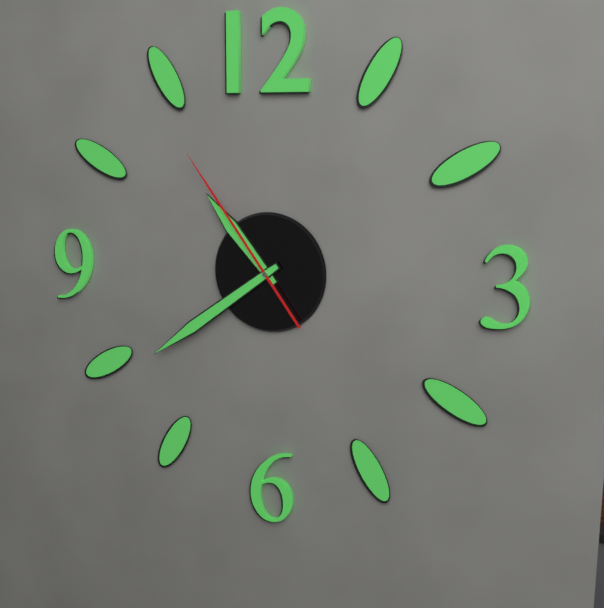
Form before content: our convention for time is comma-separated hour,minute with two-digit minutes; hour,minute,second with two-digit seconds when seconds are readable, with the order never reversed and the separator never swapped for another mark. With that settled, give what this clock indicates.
10,39,54
